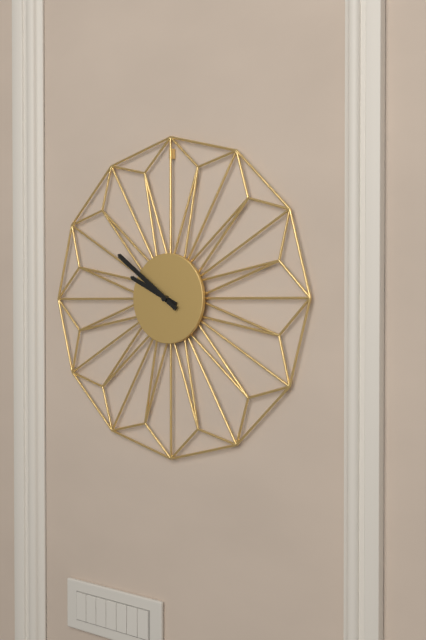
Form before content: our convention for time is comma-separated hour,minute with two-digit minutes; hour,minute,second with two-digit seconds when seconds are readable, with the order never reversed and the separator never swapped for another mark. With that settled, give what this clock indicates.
9,51
